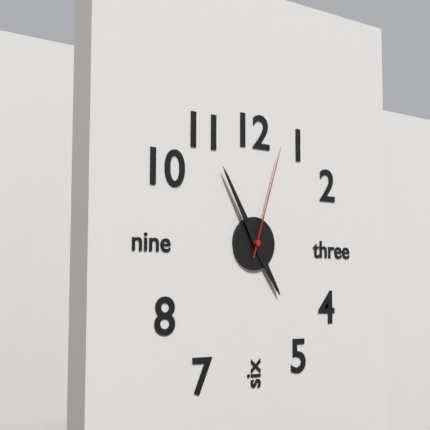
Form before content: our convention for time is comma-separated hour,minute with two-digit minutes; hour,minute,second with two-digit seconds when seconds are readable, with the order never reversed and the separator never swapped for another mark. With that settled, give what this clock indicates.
4,55,03
